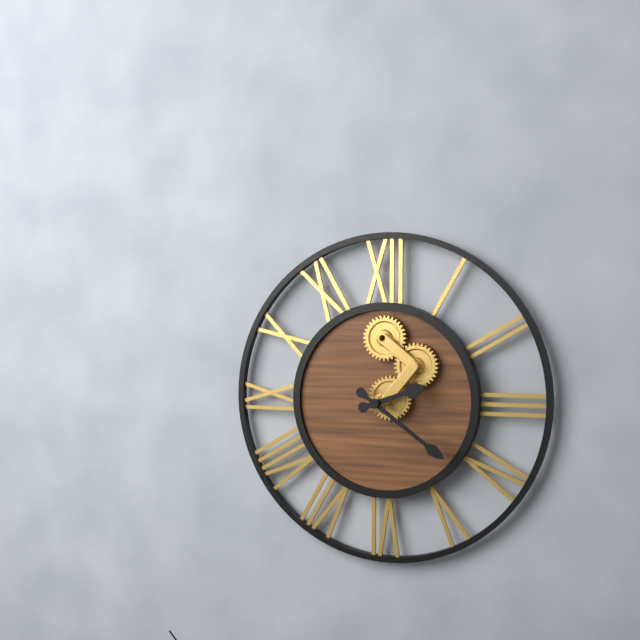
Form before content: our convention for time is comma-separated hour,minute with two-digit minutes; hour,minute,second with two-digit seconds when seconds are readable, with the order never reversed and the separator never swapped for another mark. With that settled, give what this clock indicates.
2,21
